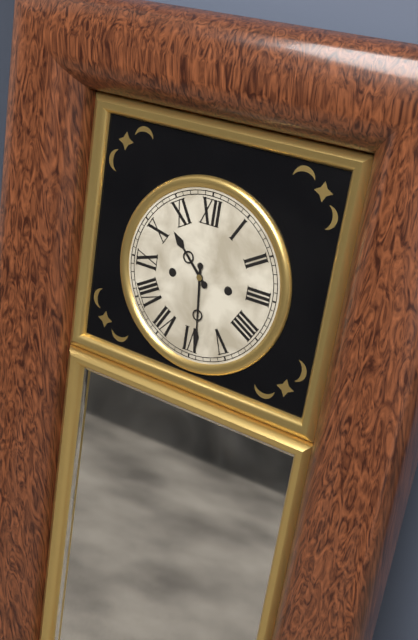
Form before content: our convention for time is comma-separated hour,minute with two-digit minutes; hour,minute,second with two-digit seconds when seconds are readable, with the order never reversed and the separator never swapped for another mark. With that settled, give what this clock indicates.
10,29
